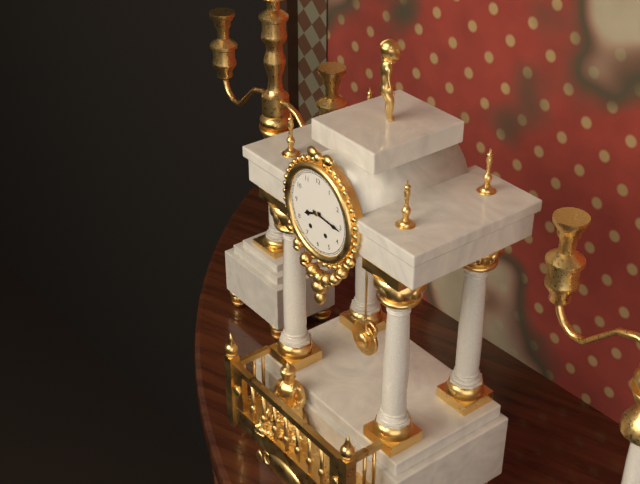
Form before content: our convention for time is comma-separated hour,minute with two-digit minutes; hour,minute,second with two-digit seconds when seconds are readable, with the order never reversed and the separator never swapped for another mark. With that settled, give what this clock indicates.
8,16
